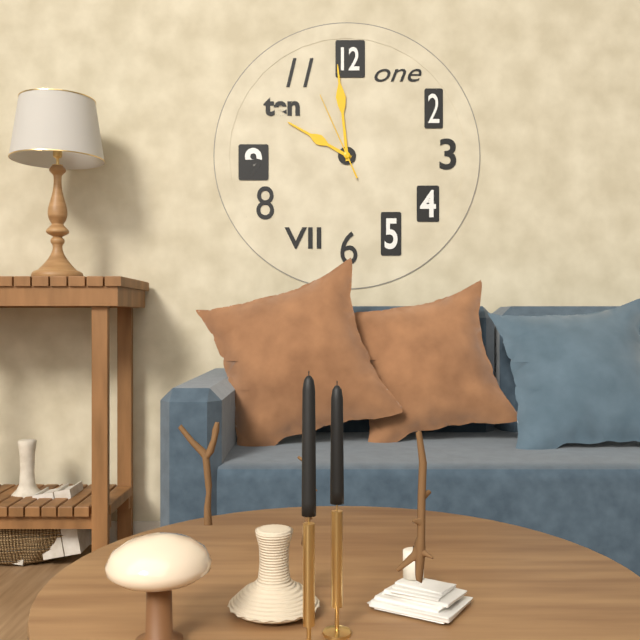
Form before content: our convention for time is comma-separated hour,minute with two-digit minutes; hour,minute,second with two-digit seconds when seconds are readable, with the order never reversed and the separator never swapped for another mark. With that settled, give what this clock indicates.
9,59,56
